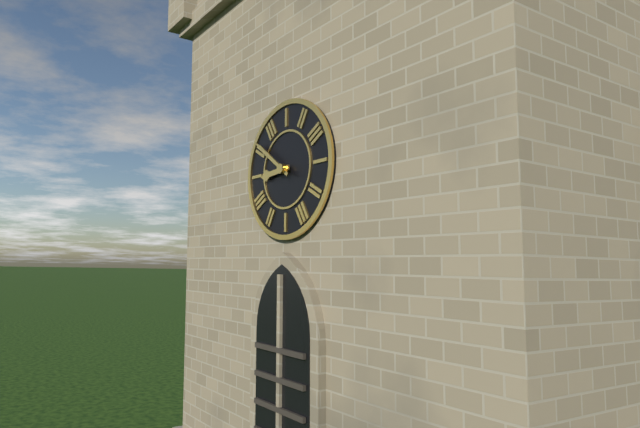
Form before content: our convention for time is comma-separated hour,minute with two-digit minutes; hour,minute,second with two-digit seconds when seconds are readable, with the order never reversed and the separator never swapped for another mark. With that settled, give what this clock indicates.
8,51
